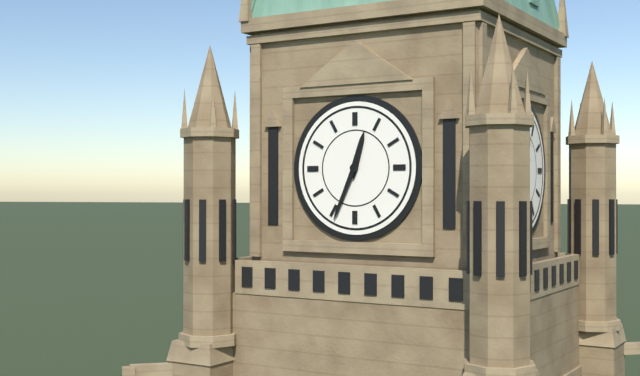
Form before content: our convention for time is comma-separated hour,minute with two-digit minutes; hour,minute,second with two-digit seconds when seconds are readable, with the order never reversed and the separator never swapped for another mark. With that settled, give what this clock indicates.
12,34
